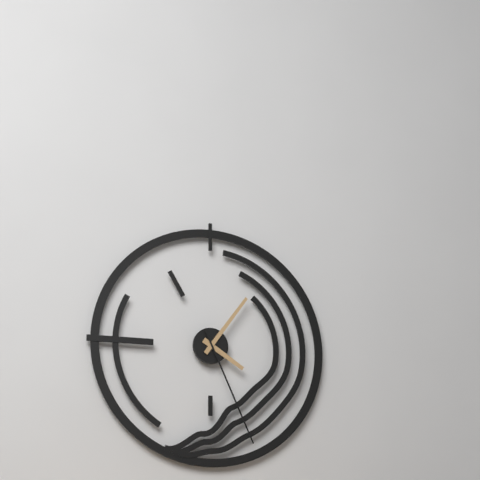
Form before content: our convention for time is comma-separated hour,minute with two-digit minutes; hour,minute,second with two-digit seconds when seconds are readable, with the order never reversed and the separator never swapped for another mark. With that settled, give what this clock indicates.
4,06,26
